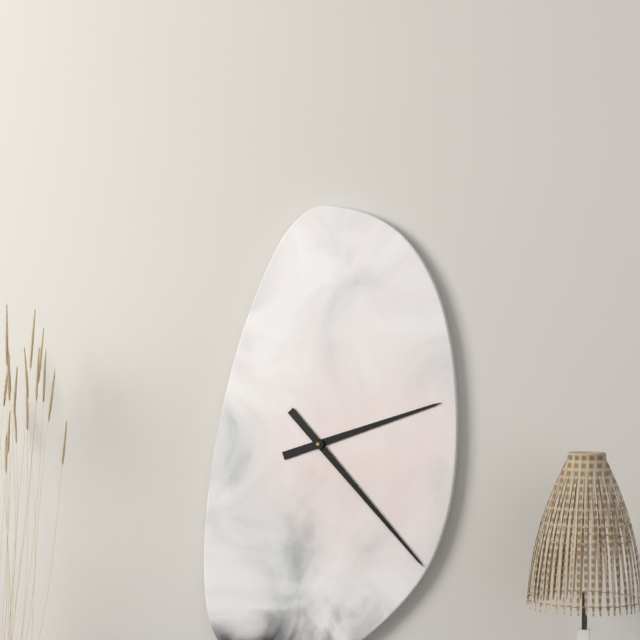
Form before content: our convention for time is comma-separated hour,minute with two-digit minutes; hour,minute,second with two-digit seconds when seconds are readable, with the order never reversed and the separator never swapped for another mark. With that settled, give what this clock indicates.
2,23
